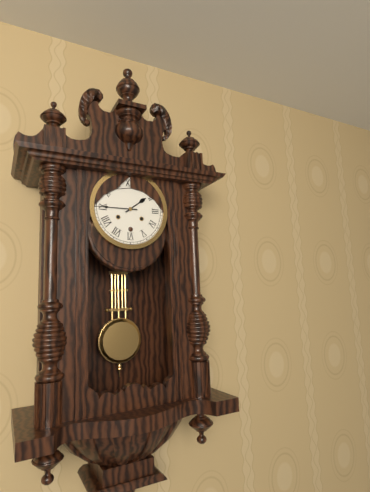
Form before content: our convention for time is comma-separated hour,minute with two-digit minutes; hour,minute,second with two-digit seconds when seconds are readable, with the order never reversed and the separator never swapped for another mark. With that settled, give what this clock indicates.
1,45
